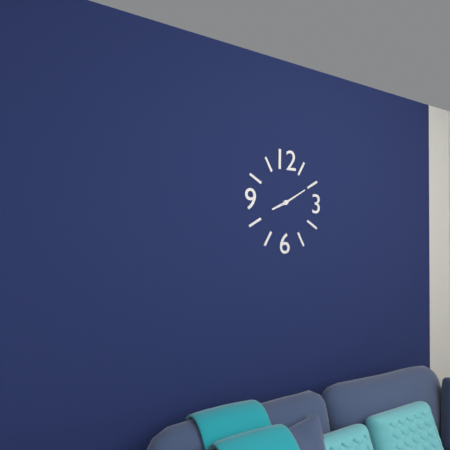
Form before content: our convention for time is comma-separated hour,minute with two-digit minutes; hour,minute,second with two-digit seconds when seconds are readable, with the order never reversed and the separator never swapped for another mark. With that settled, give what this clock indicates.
8,10
